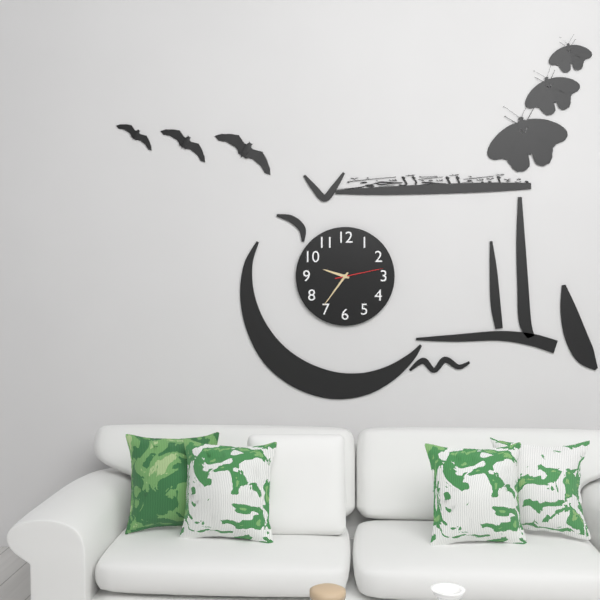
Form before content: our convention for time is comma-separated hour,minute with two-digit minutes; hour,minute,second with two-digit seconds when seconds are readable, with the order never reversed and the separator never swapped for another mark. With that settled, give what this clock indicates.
9,36
